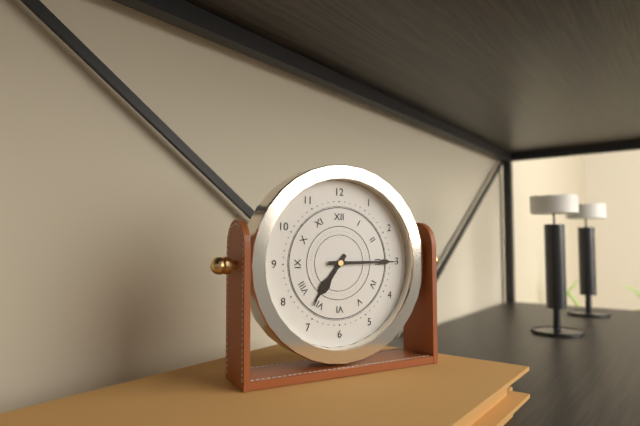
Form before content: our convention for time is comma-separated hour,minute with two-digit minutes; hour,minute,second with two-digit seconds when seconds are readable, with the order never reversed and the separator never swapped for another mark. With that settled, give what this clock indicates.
7,15
